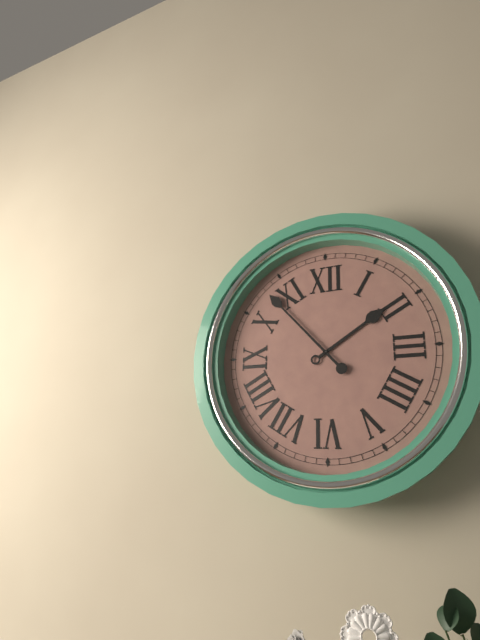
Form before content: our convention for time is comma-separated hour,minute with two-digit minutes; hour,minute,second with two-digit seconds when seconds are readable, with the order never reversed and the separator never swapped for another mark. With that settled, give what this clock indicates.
1,53
